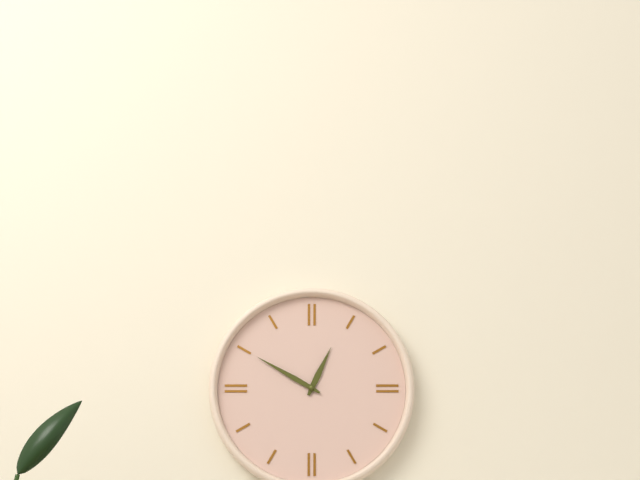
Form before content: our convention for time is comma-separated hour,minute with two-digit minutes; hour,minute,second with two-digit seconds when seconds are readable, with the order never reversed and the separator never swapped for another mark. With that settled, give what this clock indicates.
12,50
